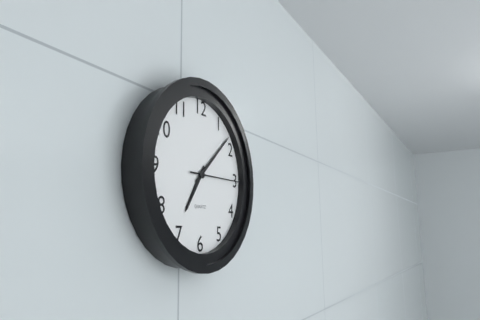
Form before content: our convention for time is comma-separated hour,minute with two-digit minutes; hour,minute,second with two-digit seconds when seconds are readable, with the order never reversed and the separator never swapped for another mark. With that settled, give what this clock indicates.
7,08
